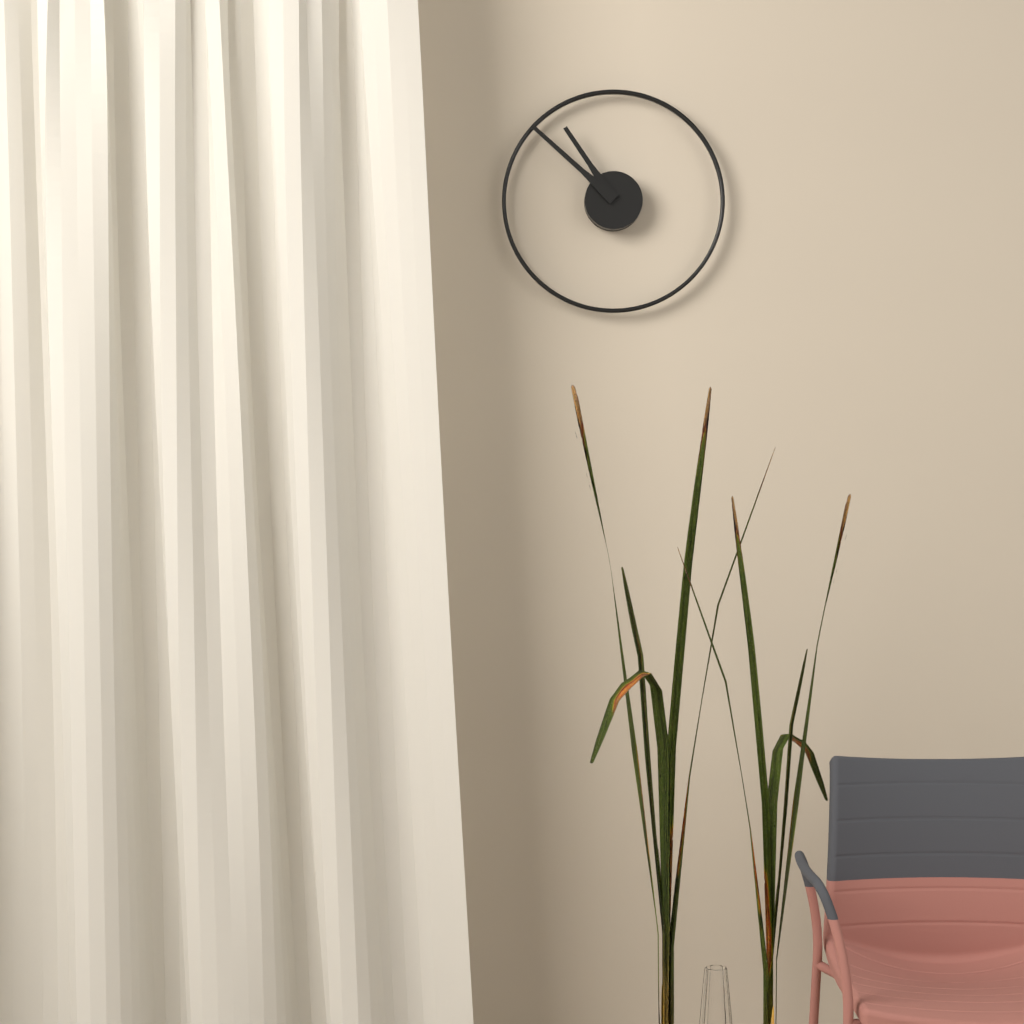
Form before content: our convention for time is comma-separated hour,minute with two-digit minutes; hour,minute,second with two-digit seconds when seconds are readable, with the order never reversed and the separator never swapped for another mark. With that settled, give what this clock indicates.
10,52
